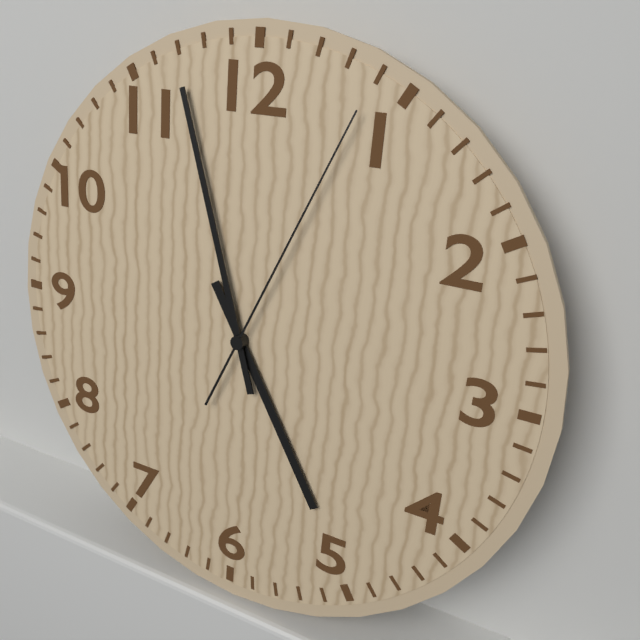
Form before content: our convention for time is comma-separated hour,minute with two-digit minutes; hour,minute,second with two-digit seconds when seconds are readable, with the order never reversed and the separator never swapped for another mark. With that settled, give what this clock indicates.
4,57,04
